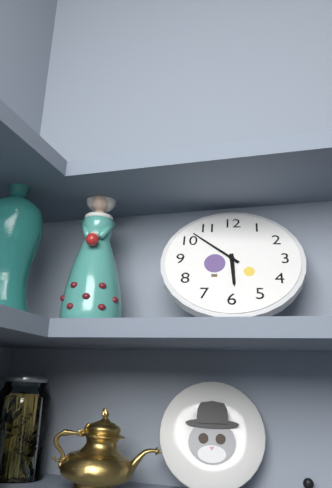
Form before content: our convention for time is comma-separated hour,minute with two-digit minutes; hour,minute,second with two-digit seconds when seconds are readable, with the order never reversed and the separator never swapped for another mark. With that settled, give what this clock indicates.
5,52
